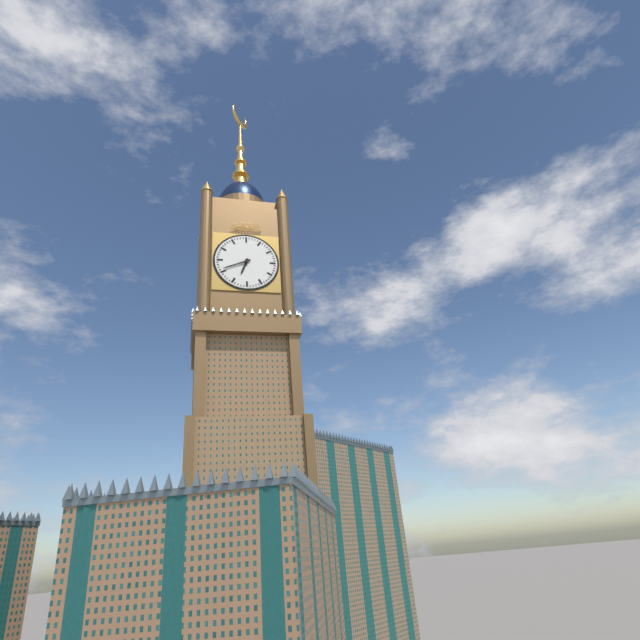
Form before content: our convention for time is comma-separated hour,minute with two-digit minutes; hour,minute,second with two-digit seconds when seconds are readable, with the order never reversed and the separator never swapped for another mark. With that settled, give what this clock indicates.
6,41
